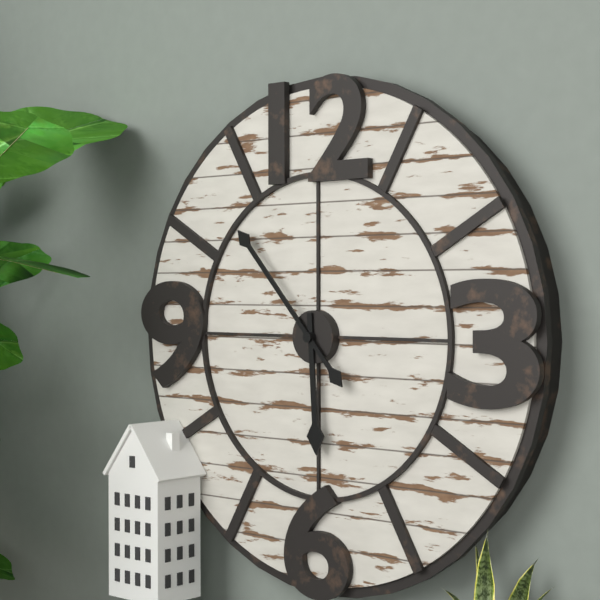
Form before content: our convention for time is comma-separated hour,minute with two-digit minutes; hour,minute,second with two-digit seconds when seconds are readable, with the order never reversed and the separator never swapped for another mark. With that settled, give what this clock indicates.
5,53
